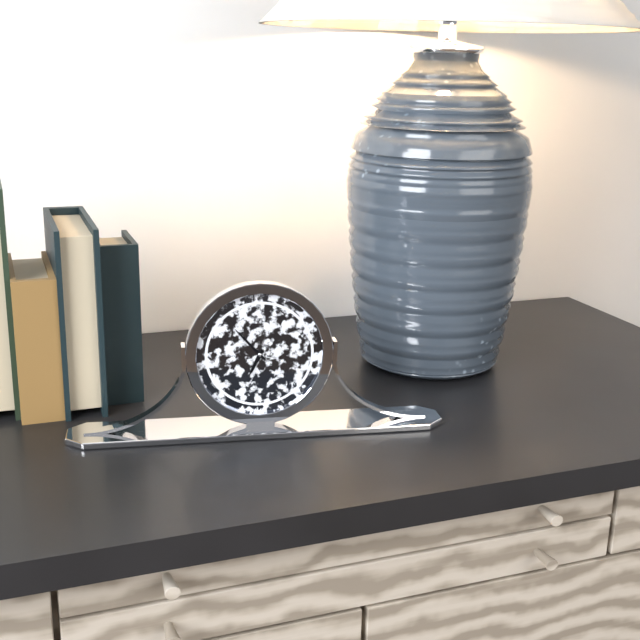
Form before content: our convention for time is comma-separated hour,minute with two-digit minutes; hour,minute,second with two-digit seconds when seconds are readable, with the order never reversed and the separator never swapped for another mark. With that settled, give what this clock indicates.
6,53
